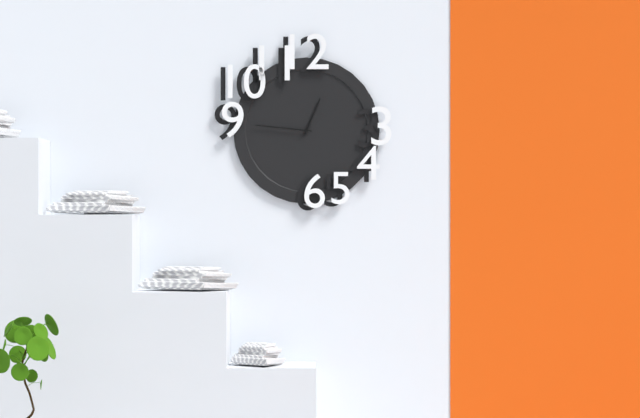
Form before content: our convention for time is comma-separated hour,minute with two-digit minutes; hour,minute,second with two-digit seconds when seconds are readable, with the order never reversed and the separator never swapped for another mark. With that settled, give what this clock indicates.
12,46
